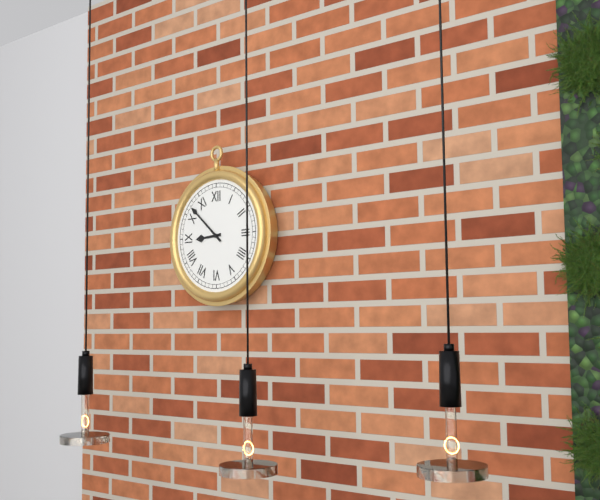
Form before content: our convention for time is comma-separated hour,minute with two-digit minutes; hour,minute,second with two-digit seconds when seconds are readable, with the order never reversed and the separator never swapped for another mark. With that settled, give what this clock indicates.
8,52
